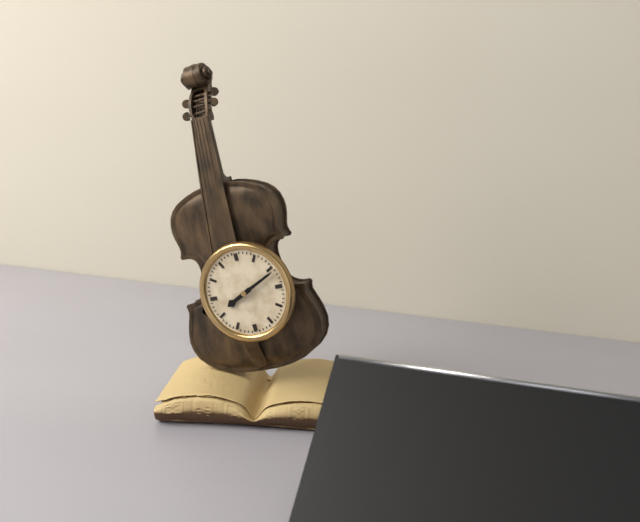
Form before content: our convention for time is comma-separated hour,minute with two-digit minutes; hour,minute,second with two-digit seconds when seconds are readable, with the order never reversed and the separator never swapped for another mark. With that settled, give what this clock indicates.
8,11
